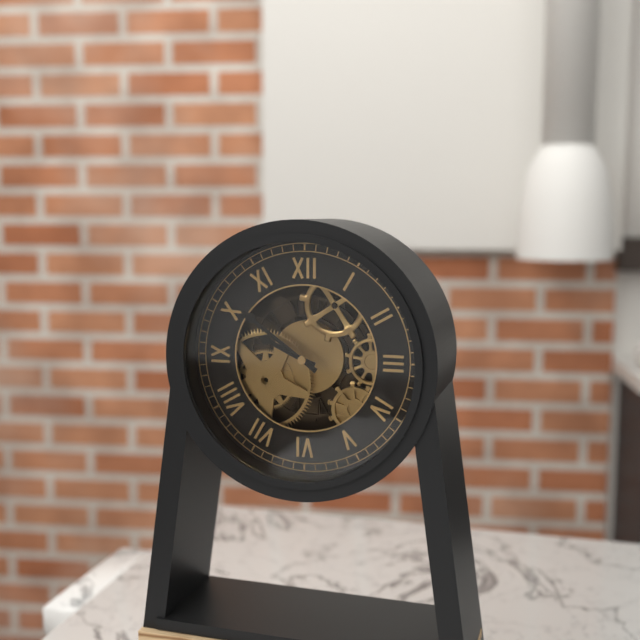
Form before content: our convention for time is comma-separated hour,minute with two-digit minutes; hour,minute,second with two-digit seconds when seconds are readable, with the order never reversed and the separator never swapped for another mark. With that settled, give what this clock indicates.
9,51
